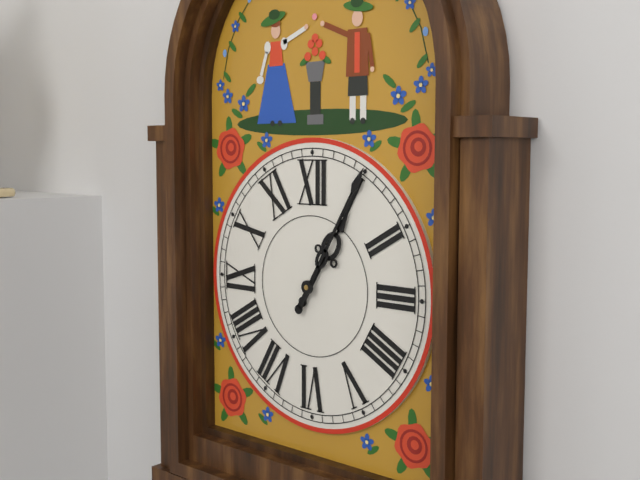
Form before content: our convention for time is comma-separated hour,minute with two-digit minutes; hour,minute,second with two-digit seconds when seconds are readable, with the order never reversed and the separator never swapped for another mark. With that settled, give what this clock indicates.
1,05
